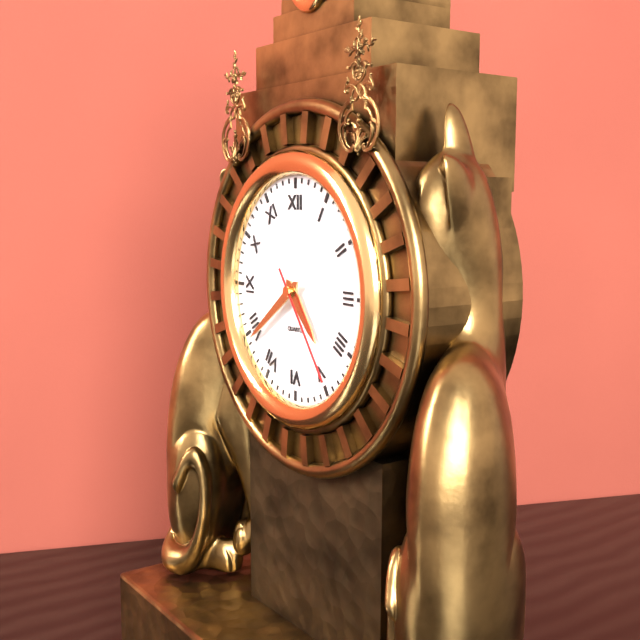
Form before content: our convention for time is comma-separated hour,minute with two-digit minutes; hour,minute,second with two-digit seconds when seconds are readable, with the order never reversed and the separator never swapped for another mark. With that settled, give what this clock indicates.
4,39,24
